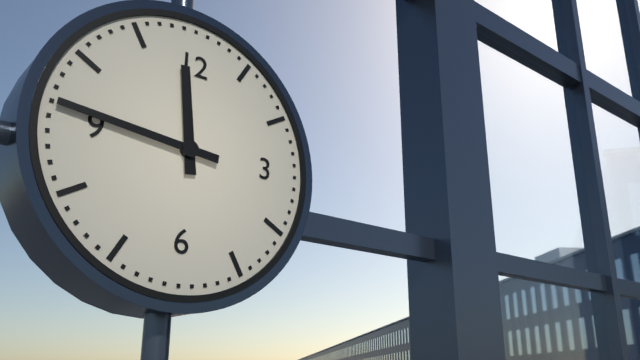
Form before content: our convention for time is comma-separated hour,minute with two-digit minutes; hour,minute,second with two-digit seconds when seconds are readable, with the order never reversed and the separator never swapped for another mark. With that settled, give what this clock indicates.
11,46
